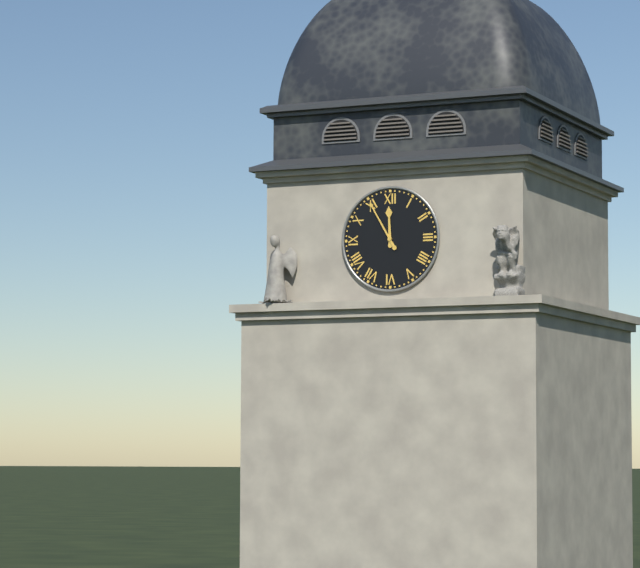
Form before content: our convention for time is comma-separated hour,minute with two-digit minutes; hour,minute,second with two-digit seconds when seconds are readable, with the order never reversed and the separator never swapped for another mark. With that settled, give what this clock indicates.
11,55
